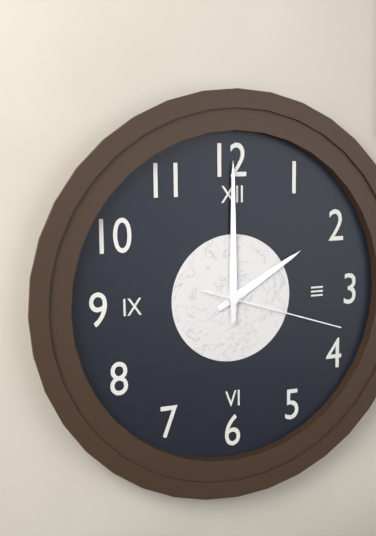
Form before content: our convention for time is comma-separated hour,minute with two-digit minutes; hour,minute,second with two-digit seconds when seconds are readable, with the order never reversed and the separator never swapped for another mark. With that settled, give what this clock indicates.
2,00,18
